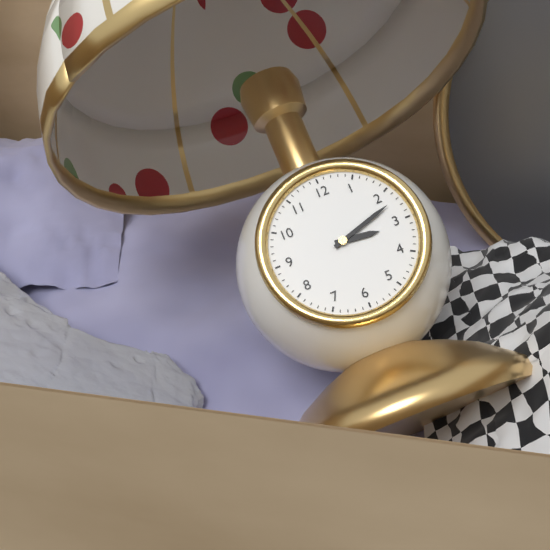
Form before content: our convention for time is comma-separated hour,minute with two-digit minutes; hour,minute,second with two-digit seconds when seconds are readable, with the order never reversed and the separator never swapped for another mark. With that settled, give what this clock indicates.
3,12
